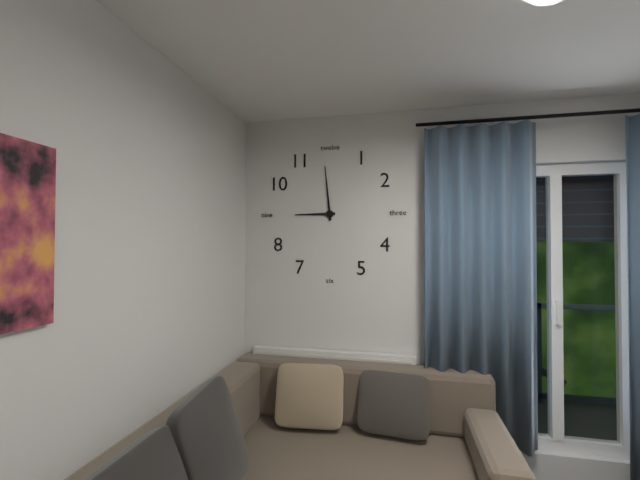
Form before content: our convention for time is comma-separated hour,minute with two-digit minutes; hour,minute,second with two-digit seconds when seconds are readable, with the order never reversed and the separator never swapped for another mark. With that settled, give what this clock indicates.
8,59
